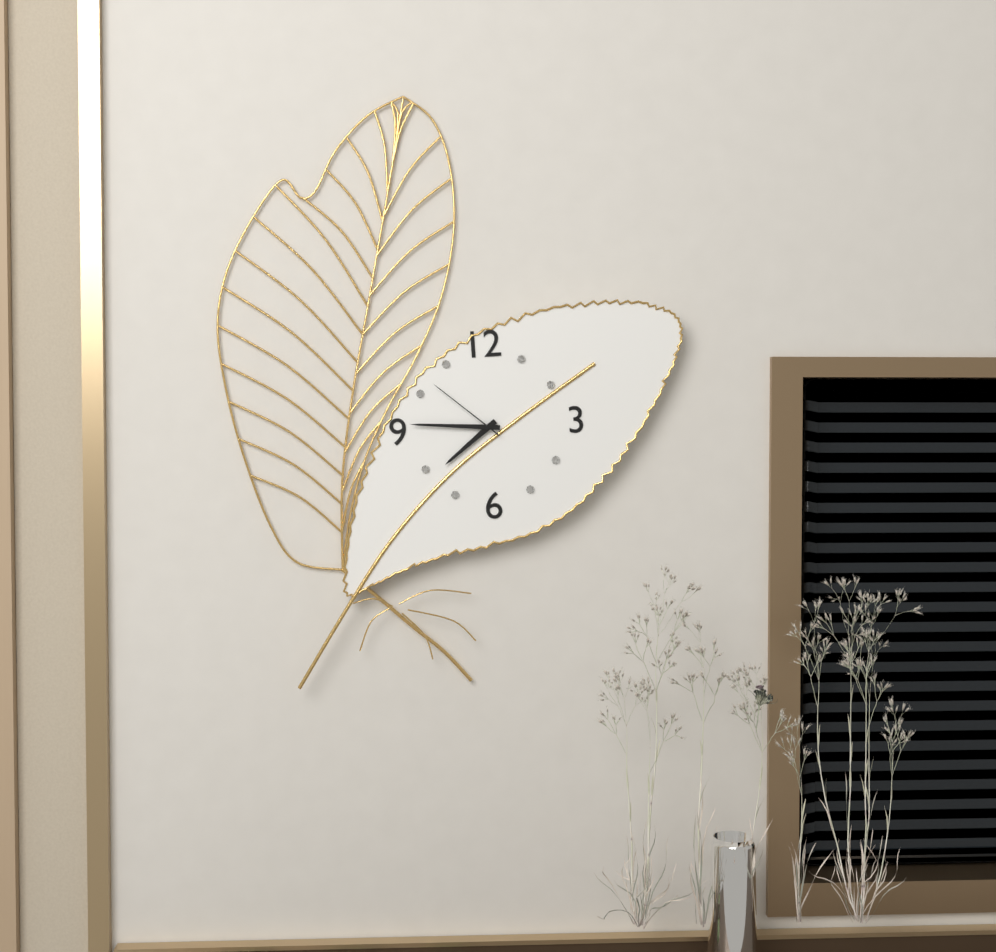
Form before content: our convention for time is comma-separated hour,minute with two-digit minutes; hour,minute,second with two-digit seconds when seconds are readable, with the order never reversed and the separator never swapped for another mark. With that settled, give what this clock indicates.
7,46,52
